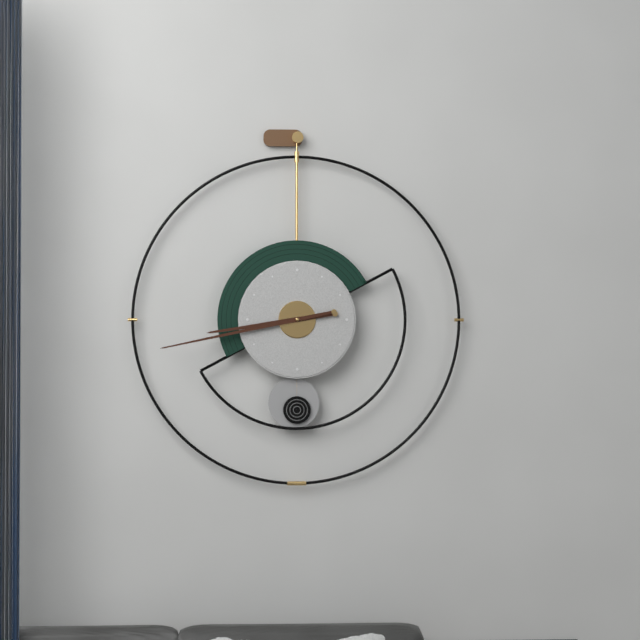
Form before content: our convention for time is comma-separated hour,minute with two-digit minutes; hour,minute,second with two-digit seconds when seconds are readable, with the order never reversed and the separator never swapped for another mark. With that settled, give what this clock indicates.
8,43
